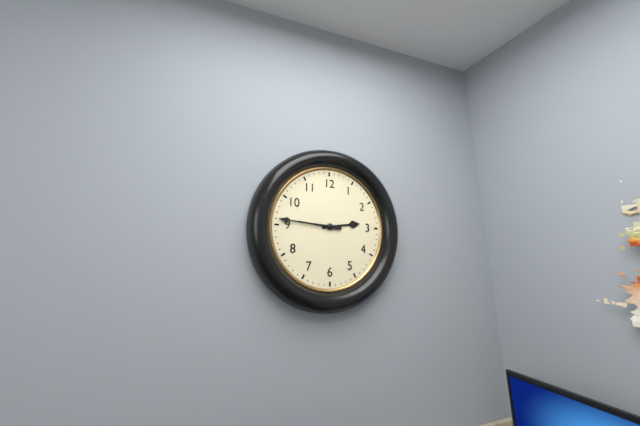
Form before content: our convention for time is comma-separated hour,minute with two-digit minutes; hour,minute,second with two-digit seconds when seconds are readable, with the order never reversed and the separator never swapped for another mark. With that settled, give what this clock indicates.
2,46
